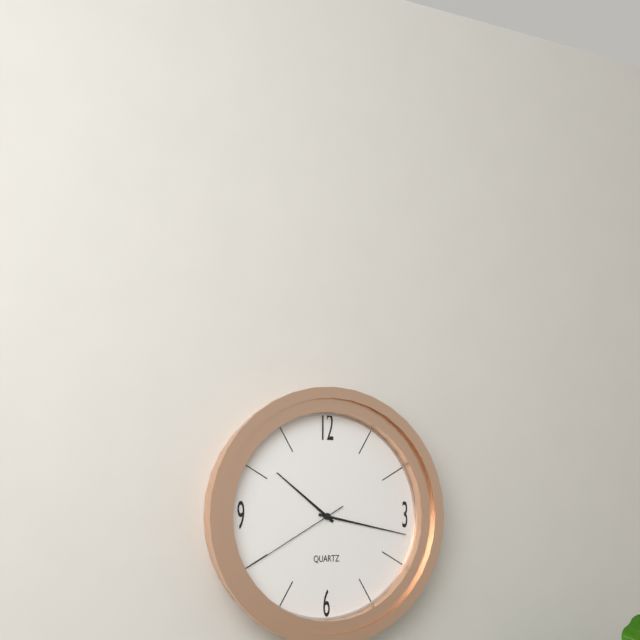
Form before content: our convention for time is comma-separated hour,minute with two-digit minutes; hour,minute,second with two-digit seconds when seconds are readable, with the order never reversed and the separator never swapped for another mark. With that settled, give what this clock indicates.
10,17,40
